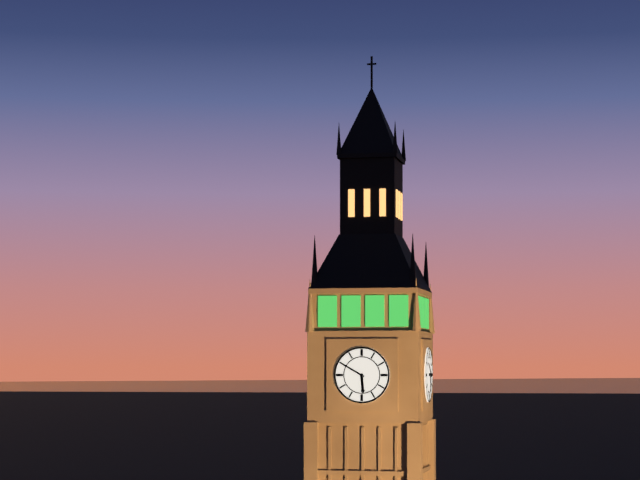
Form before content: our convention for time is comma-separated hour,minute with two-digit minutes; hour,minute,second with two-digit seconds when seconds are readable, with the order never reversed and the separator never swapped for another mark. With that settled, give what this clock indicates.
5,50
